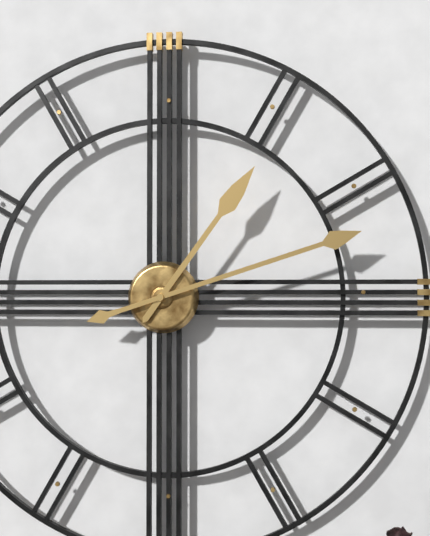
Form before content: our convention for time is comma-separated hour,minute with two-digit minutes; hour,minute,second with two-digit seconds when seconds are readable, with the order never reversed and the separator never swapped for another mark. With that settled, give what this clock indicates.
1,12
